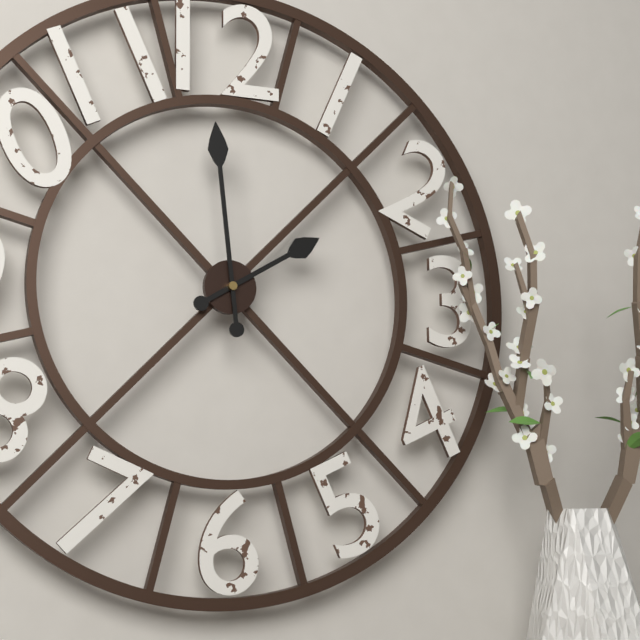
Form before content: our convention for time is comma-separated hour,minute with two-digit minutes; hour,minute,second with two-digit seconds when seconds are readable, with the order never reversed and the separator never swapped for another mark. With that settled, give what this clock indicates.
1,59
